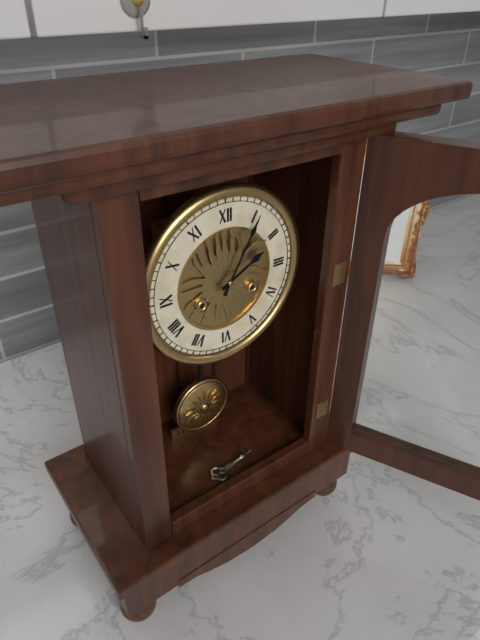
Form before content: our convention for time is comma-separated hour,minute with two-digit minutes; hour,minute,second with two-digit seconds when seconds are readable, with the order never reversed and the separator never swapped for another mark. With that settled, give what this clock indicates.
2,05
